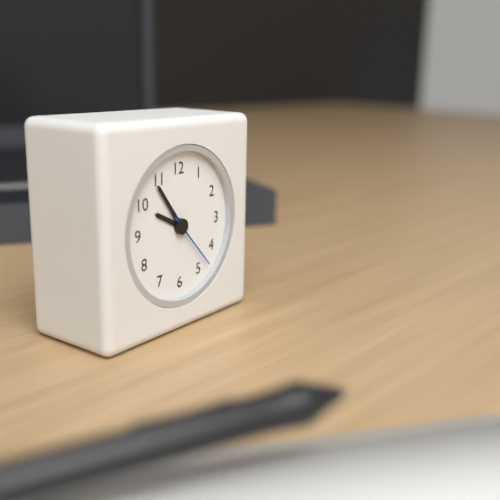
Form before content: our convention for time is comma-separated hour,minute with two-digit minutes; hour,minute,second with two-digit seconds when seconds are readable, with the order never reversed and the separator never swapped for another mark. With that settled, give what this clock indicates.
9,54,23
